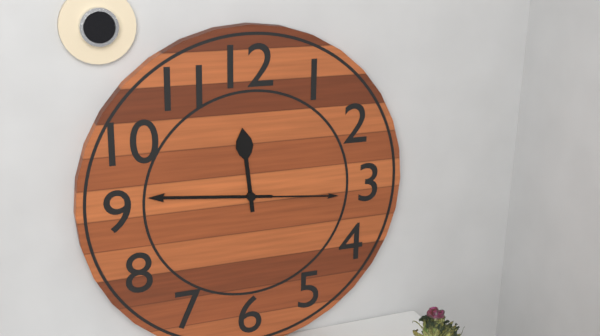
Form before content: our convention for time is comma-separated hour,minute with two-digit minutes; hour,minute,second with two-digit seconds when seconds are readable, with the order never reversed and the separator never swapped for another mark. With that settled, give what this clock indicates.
11,46,16
